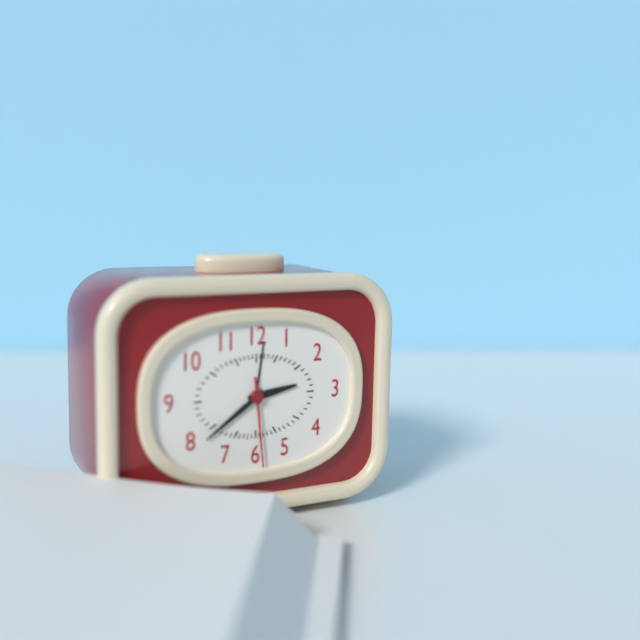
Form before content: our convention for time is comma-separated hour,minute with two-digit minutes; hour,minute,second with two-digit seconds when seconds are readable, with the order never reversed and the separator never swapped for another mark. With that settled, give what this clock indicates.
2,39,29
